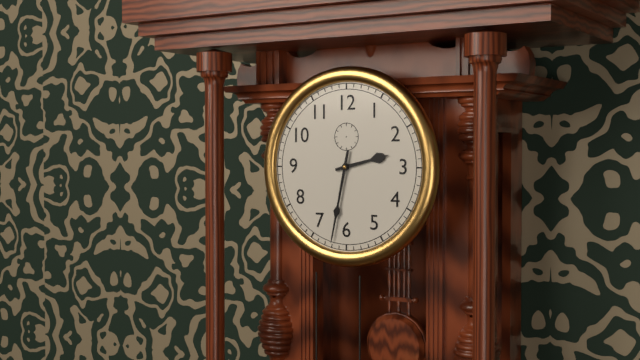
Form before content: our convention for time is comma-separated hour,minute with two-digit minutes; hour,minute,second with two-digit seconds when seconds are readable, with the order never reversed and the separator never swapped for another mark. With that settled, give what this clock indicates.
2,32
